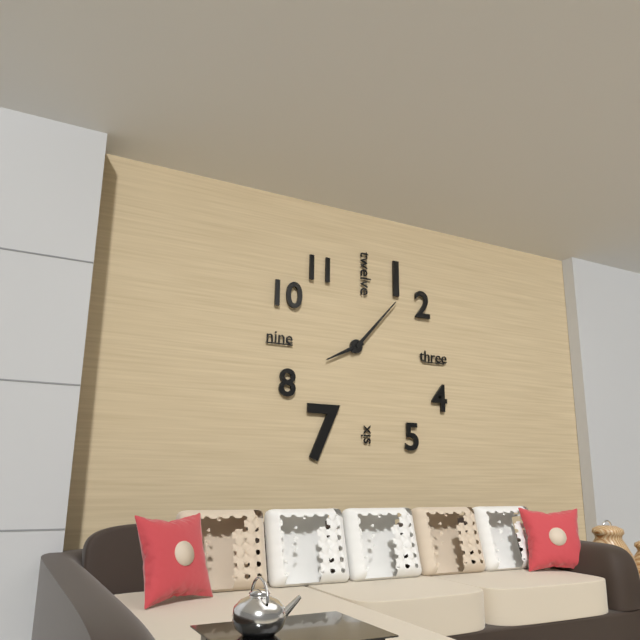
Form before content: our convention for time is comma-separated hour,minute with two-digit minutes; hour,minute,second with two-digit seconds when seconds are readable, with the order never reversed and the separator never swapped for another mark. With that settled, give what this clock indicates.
8,07
